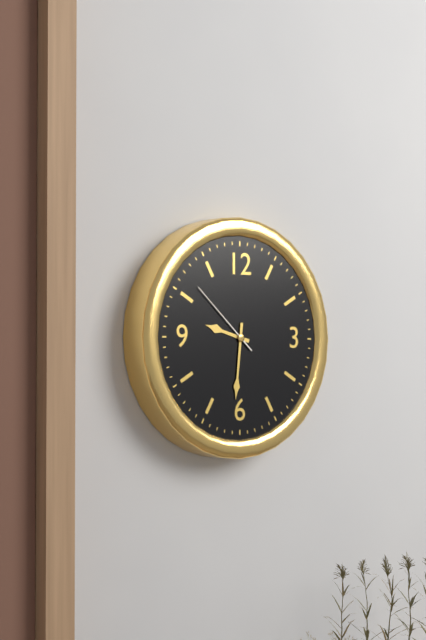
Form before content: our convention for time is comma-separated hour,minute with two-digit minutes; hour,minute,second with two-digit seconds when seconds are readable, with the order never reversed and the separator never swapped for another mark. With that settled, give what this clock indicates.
9,31,52
